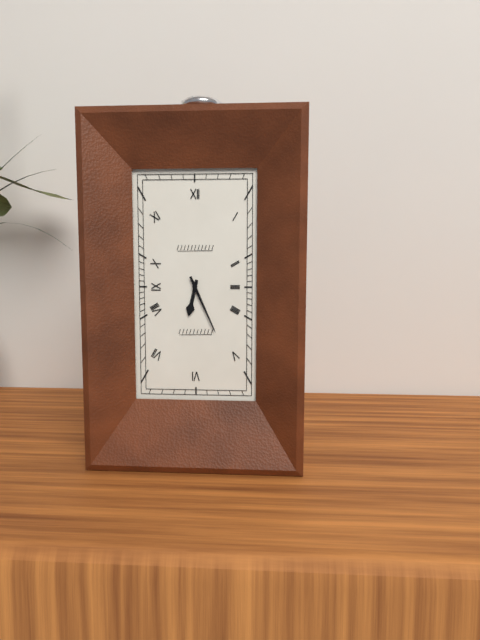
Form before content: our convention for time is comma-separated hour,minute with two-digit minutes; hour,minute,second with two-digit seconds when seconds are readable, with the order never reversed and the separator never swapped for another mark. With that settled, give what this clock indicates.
6,26
